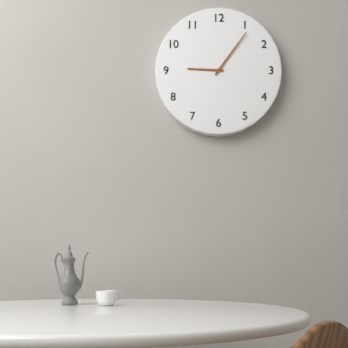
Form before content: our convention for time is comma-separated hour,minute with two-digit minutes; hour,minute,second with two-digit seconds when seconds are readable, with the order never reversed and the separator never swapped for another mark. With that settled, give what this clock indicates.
9,06
